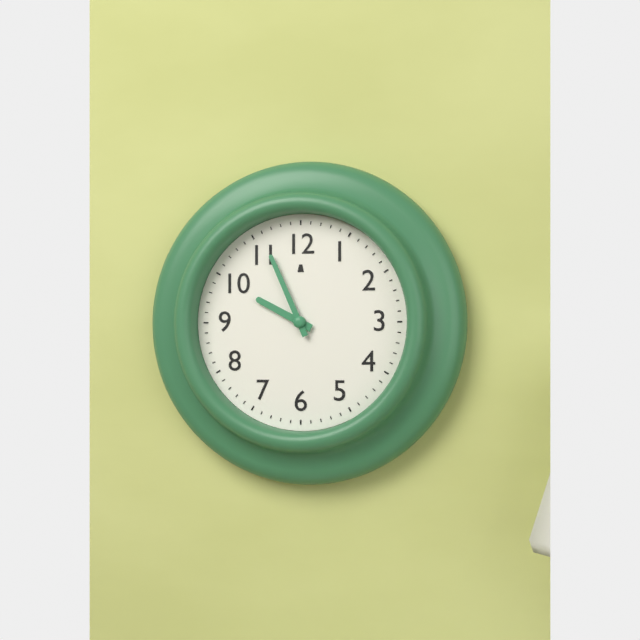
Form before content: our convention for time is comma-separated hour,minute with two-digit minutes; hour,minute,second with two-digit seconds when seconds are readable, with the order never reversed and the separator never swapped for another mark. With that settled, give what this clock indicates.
9,56
